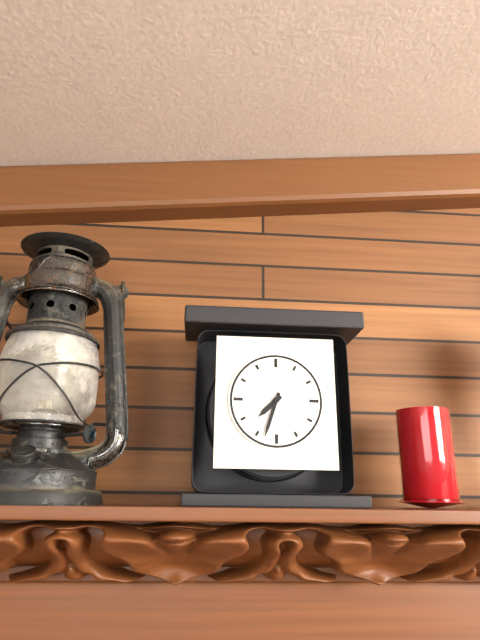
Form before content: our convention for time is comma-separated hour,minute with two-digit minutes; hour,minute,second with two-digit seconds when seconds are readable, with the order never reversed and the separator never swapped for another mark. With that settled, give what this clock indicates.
7,33
